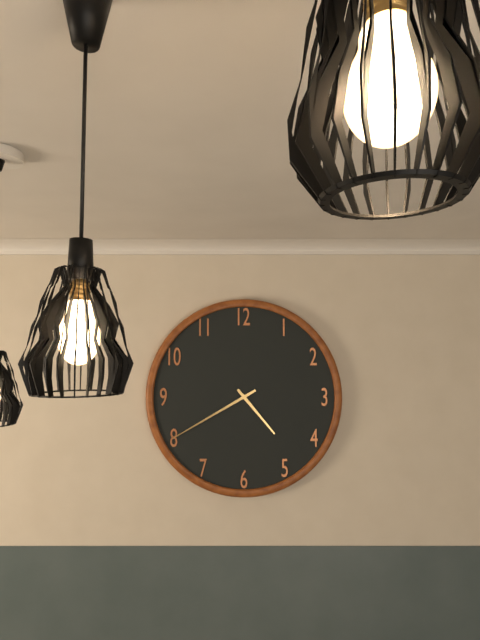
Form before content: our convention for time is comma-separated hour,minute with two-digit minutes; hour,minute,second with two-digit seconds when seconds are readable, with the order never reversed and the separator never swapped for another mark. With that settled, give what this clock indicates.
4,40
